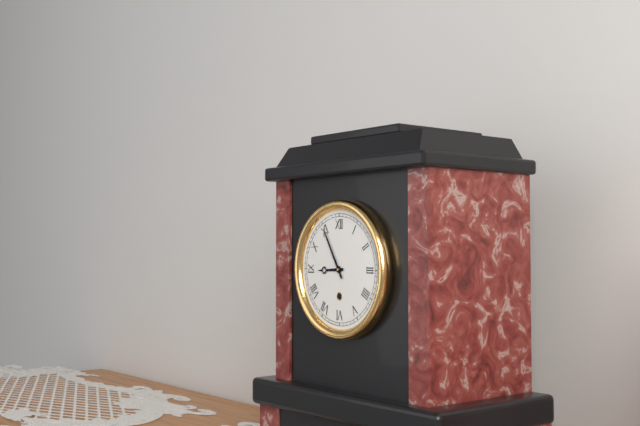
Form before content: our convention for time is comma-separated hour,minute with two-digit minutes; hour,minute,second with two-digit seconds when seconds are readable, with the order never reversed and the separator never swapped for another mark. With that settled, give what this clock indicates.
8,55
